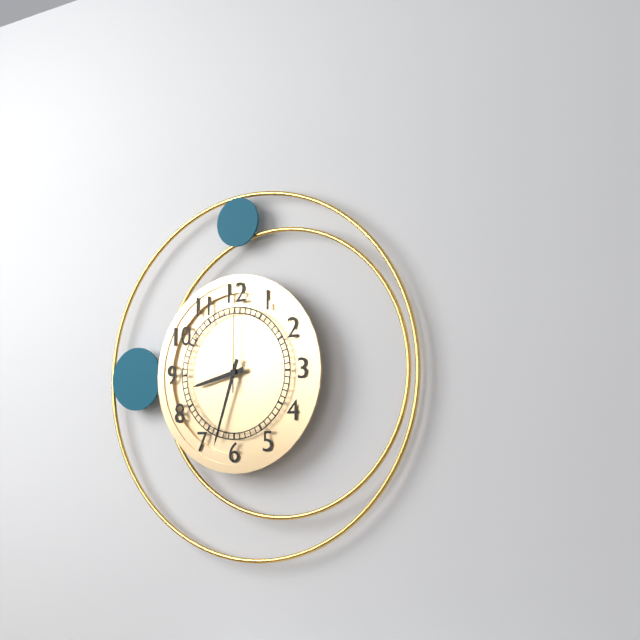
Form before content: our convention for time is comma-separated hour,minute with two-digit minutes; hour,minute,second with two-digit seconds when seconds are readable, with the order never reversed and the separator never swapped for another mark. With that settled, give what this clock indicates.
8,33,00
